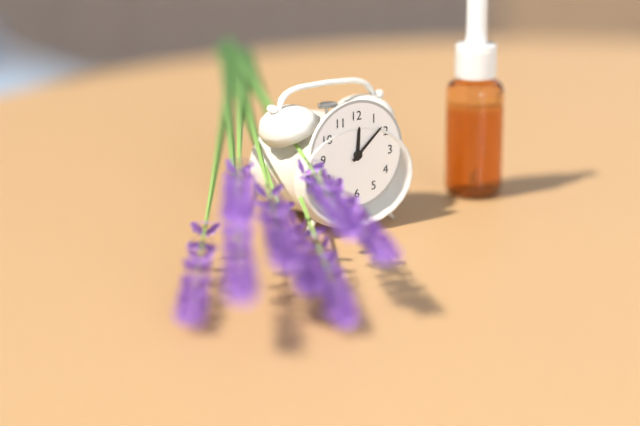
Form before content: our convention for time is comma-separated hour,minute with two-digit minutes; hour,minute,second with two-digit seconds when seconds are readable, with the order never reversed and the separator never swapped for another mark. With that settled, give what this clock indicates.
12,08
